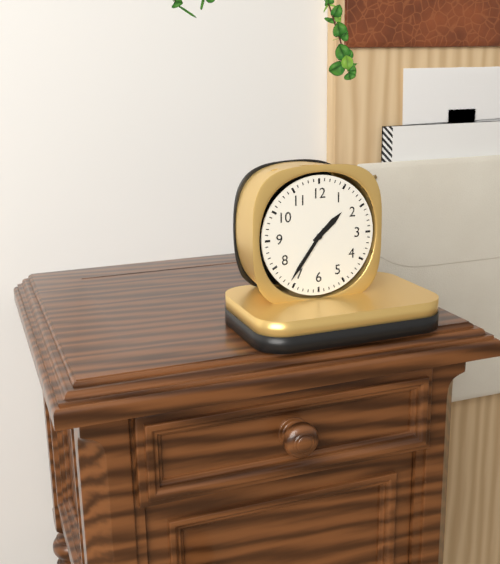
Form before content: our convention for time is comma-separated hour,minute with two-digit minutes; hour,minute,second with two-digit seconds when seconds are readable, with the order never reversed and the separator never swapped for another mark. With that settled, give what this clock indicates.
1,36
